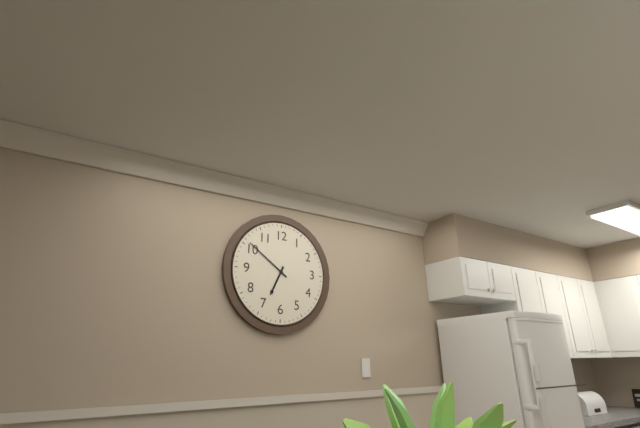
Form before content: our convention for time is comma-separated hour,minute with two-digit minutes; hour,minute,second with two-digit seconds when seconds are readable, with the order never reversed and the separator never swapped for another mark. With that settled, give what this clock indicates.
6,51
